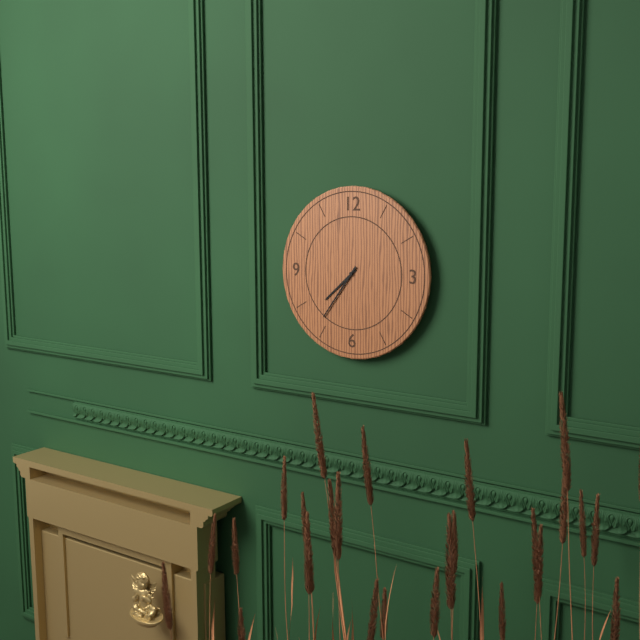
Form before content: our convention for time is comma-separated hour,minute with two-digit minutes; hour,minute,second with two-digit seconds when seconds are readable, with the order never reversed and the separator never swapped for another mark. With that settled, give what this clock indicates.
7,36
